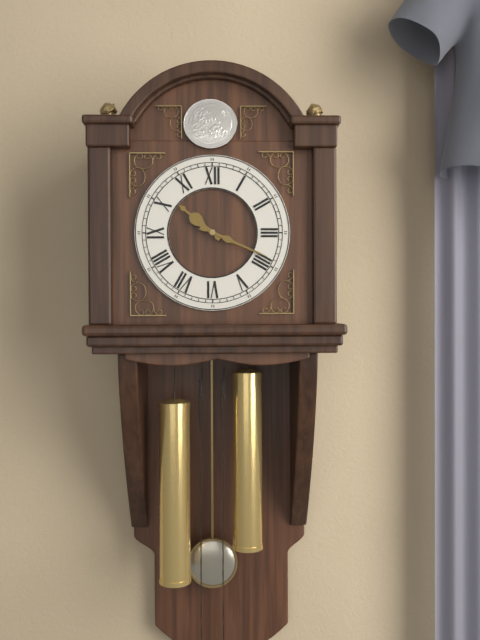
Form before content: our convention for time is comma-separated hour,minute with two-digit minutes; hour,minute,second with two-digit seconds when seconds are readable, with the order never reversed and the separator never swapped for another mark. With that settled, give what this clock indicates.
10,19
